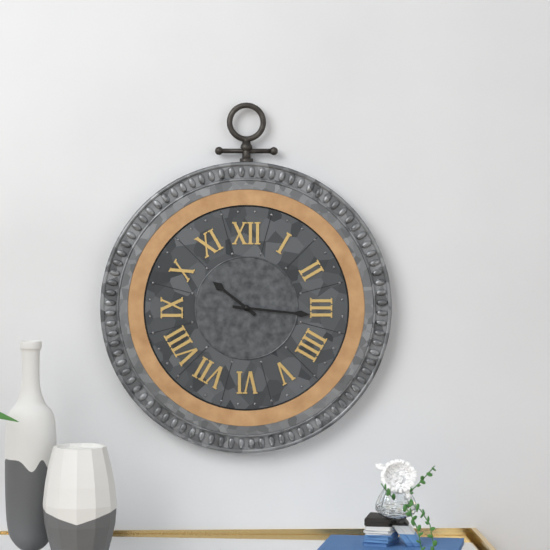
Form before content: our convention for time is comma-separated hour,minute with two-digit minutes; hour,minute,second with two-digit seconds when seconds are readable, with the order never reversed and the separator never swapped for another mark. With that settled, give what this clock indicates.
10,16
